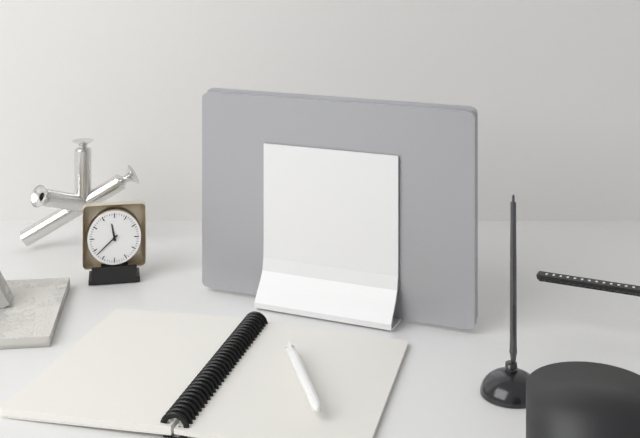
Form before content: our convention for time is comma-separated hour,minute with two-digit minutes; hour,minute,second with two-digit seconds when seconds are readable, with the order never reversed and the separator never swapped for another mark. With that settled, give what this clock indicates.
11,38
